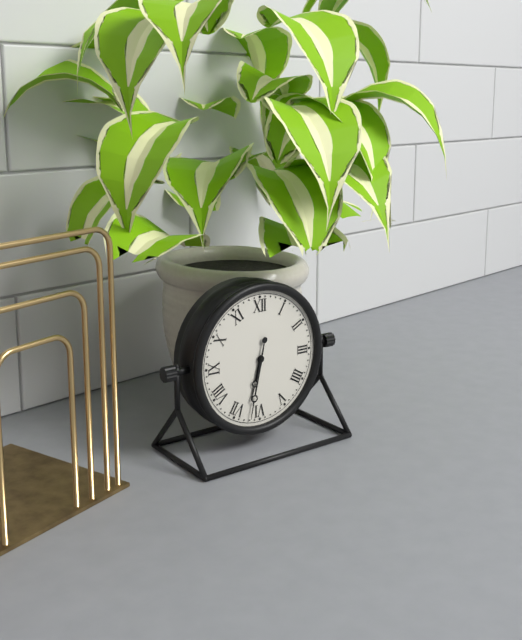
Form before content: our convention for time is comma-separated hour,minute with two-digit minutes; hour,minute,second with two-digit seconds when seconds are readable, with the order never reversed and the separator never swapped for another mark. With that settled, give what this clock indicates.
6,32
